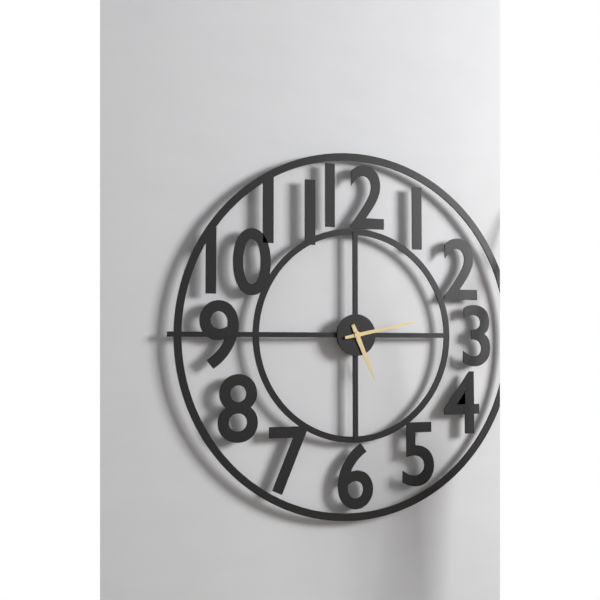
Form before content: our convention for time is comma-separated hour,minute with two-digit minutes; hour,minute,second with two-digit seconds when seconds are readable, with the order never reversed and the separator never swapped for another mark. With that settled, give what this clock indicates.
5,13
